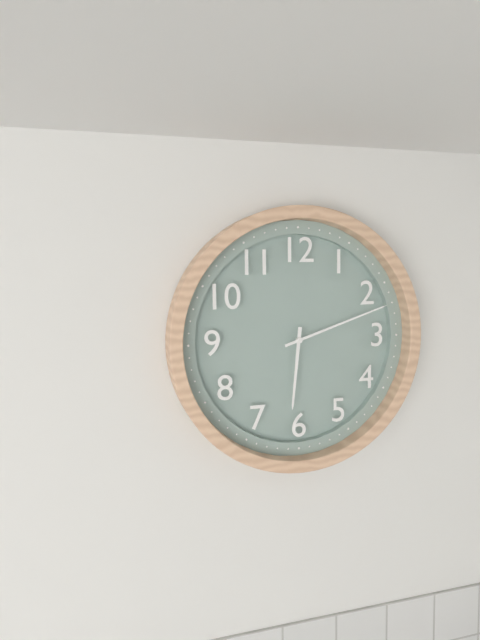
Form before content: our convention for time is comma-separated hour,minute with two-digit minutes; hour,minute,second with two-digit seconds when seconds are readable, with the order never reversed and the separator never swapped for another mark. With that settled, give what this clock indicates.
6,12
